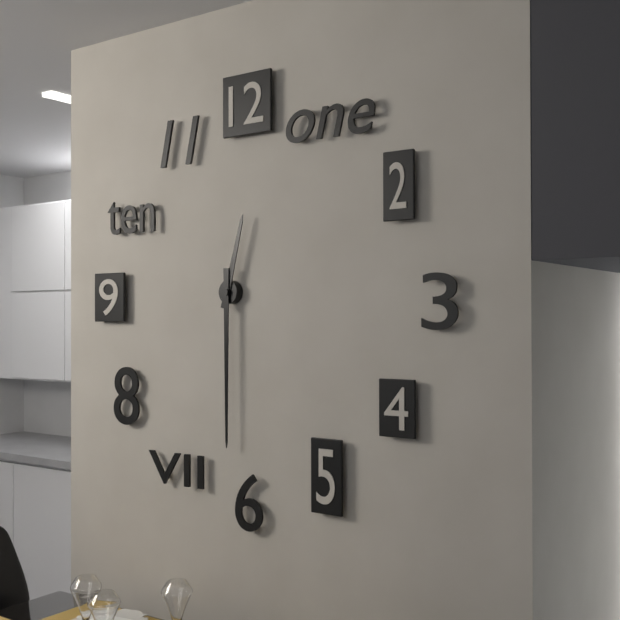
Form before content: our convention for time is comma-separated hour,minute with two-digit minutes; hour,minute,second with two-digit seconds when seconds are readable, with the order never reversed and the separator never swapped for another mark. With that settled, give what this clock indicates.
12,30
